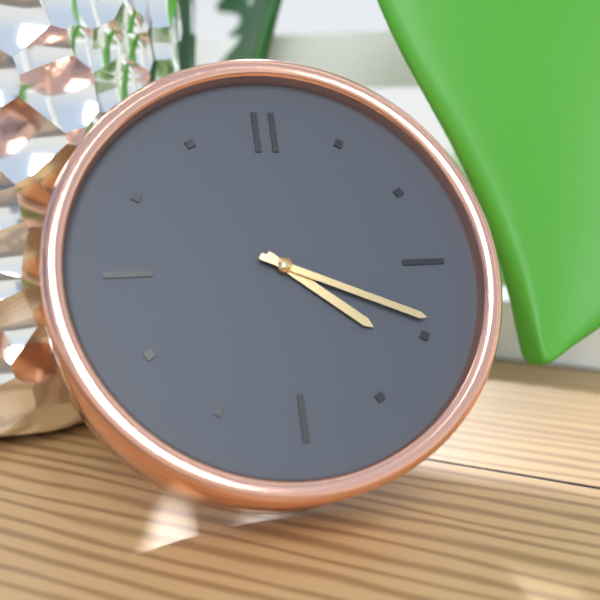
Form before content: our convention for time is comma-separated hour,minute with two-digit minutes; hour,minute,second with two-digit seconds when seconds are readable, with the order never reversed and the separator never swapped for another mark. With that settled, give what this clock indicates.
4,19
